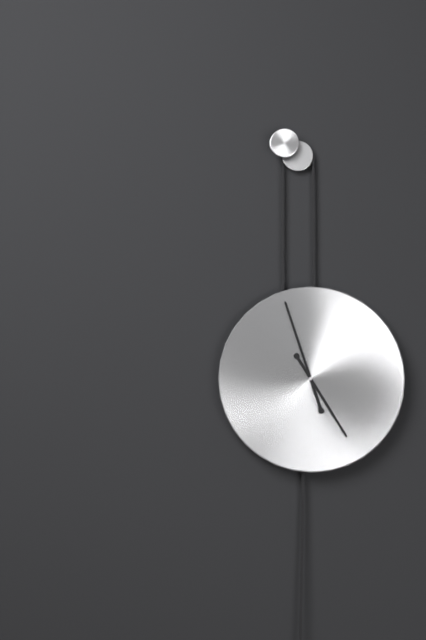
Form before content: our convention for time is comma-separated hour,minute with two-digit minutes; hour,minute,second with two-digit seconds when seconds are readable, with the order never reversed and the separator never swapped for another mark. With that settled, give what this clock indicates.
4,57
